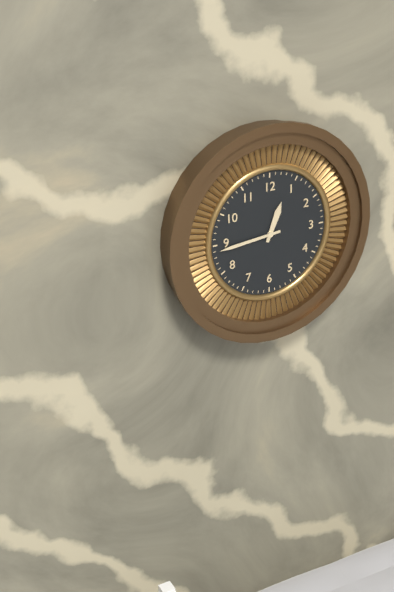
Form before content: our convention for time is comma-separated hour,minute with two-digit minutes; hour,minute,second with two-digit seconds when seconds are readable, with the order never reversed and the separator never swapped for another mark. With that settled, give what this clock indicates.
12,44
